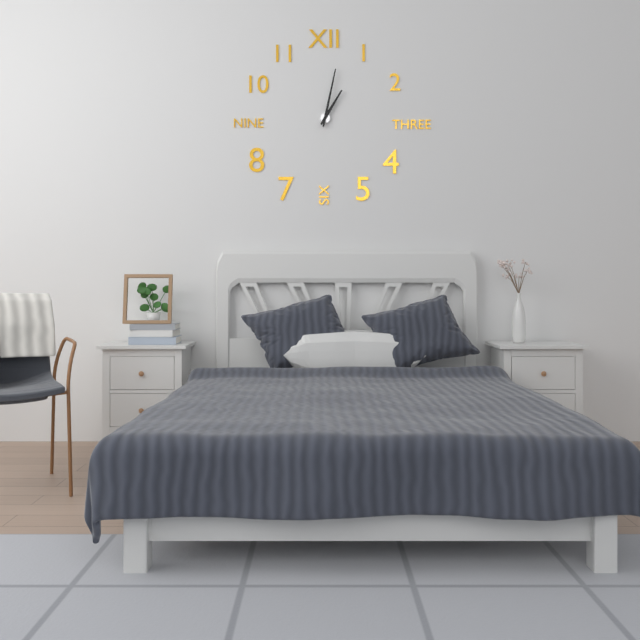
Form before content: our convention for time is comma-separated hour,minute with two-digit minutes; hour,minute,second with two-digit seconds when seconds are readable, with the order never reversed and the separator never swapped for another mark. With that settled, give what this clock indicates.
1,02
